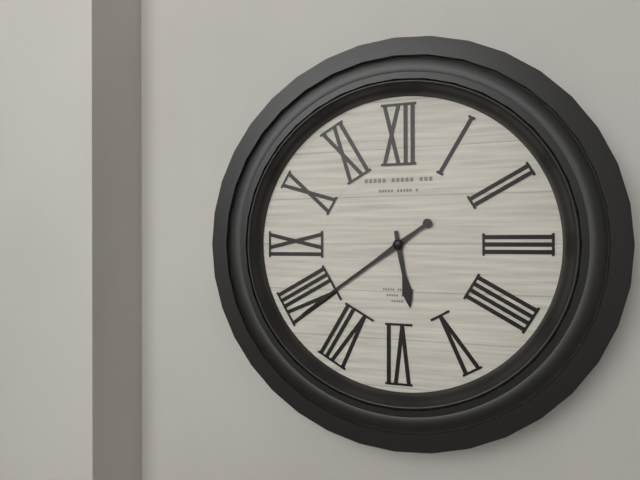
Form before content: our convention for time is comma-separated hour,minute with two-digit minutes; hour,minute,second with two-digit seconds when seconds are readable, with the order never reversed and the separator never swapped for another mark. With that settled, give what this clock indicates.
5,39
